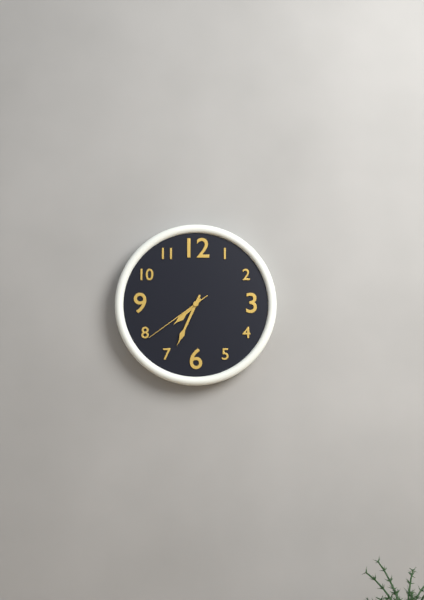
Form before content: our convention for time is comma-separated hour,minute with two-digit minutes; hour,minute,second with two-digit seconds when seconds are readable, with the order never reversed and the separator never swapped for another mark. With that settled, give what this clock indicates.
7,34,39
